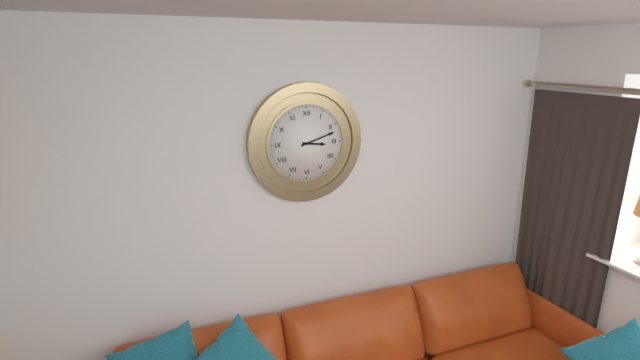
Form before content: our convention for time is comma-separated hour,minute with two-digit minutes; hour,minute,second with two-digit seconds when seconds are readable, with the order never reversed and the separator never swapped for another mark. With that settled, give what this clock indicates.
3,12
